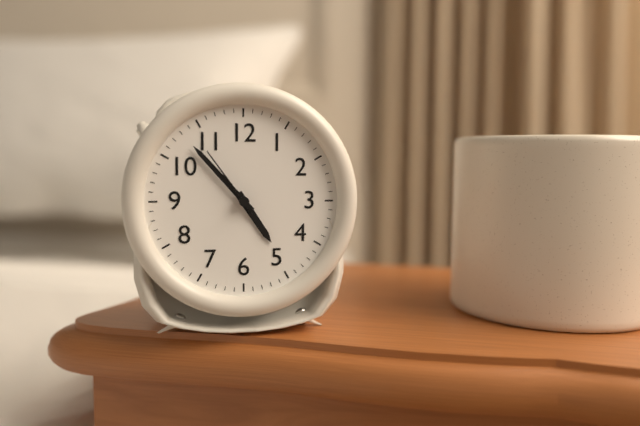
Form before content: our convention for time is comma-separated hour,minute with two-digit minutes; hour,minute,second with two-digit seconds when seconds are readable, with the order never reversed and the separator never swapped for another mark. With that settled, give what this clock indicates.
4,53,54
